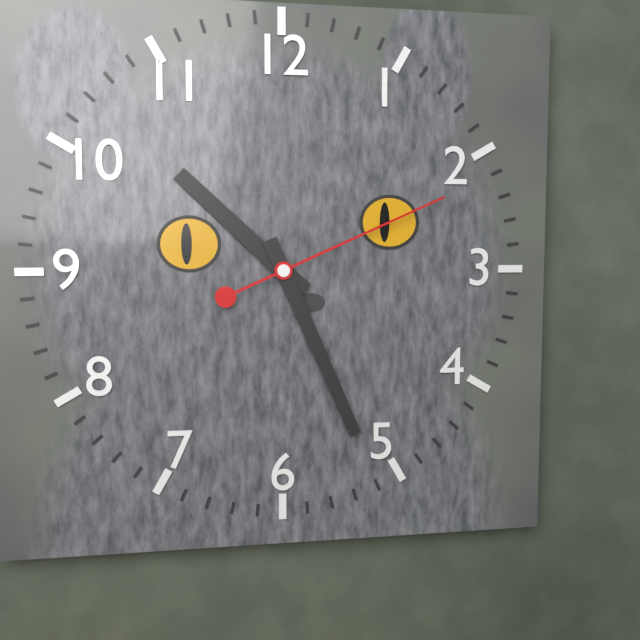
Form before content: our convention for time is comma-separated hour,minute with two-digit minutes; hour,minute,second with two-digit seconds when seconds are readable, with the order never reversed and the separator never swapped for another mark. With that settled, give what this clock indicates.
10,26,11
